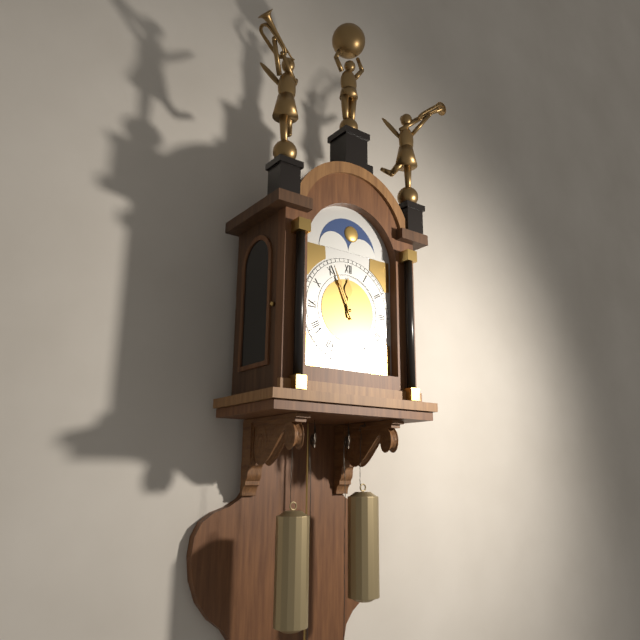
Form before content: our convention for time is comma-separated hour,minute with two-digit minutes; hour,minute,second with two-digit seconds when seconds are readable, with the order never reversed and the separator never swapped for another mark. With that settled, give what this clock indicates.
11,56
